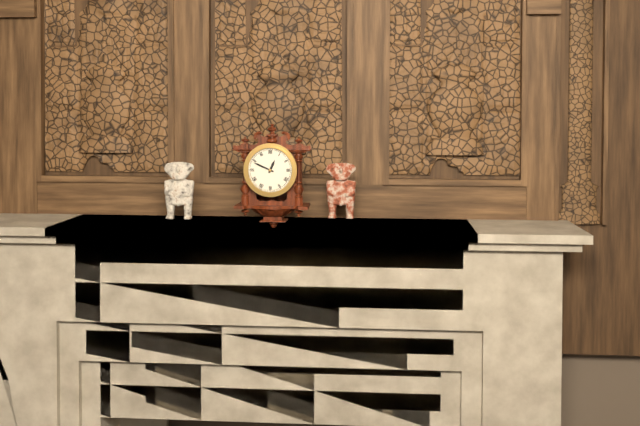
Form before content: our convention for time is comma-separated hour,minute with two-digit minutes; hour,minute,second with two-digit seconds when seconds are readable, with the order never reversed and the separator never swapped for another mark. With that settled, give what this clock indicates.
12,49
